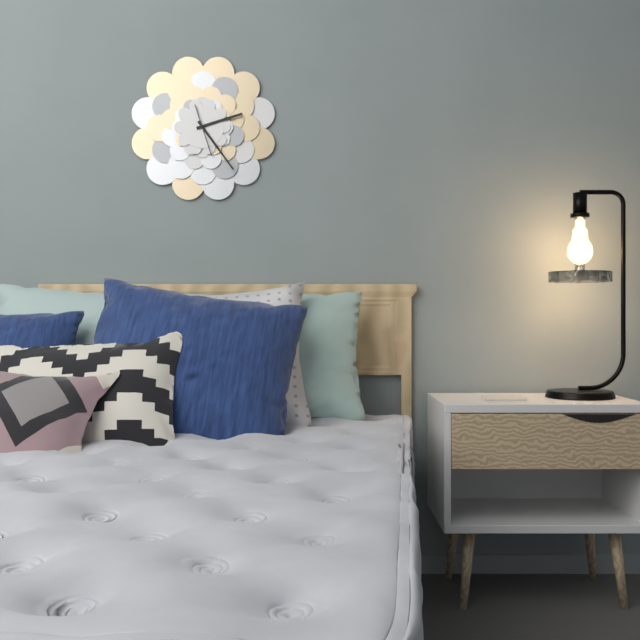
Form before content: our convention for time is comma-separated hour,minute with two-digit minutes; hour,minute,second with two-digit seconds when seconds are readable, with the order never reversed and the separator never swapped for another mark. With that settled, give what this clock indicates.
2,24
